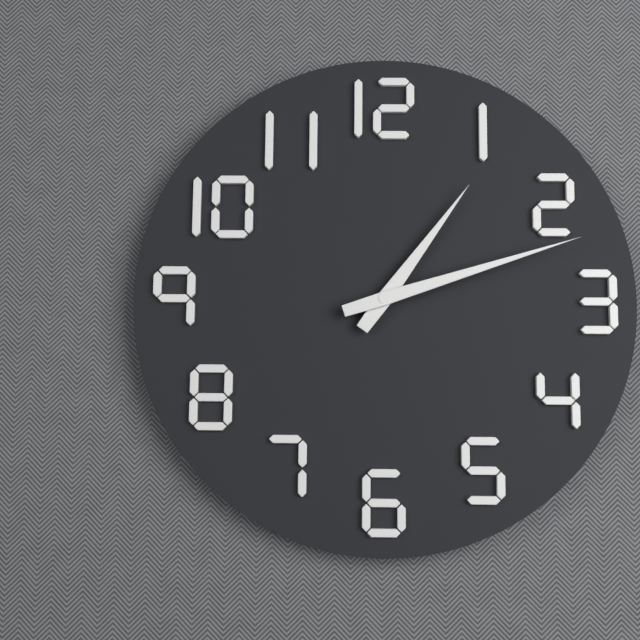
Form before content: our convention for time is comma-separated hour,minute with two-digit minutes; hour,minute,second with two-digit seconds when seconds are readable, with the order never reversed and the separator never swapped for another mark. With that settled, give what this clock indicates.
1,12
